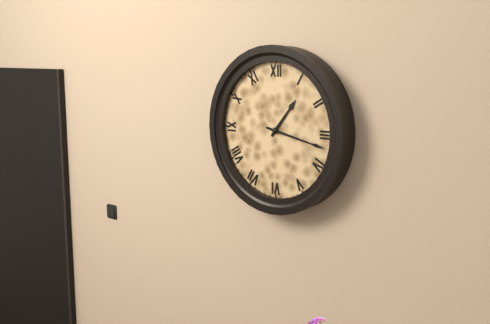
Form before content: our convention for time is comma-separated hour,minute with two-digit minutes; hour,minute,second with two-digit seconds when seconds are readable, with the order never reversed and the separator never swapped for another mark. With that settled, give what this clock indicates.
1,17
